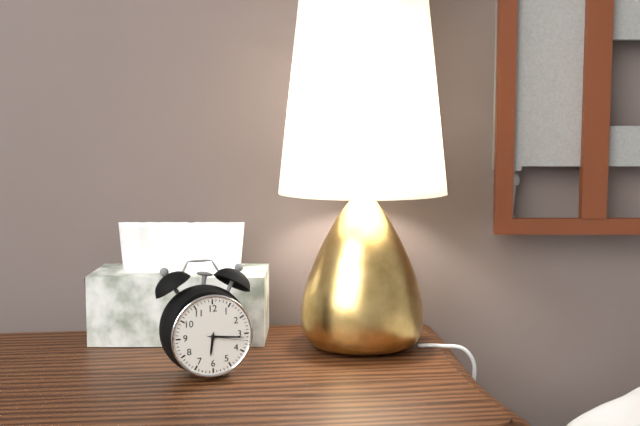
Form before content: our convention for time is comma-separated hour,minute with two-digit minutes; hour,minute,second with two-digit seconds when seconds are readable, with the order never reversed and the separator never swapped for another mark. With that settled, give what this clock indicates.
6,16
